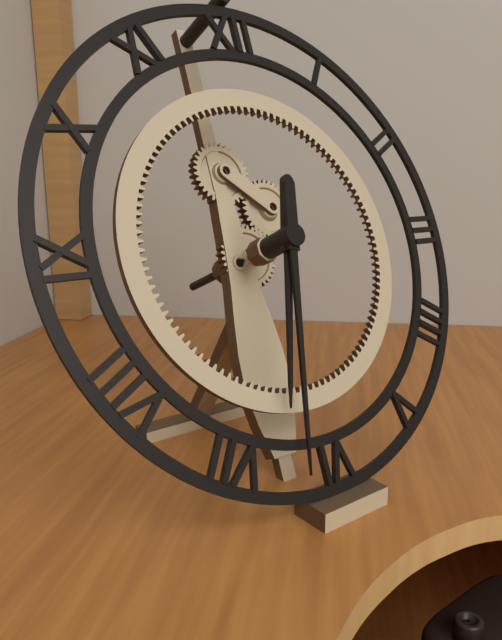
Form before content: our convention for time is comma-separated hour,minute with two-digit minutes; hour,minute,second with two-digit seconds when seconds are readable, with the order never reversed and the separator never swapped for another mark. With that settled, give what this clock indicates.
6,32
